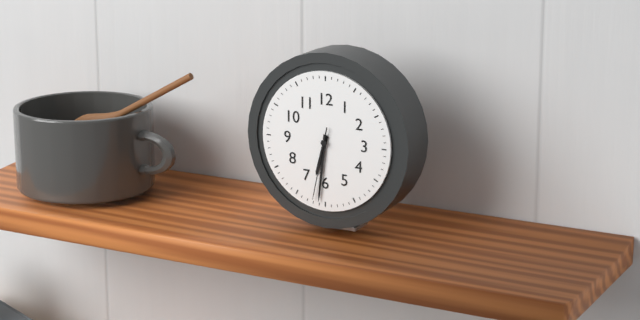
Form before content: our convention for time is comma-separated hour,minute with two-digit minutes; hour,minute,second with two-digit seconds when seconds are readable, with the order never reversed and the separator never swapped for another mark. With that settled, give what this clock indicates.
6,31,32
